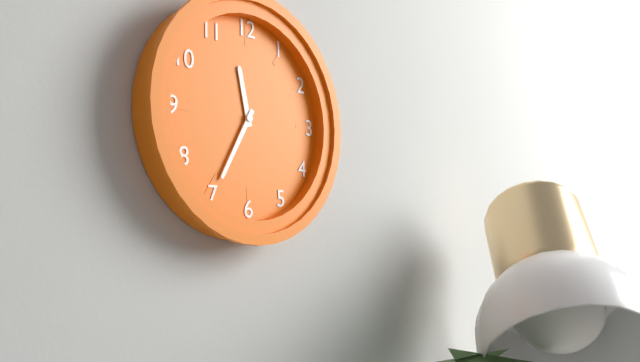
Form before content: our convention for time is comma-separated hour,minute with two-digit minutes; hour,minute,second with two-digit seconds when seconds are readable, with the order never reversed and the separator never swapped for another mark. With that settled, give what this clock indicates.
11,35
